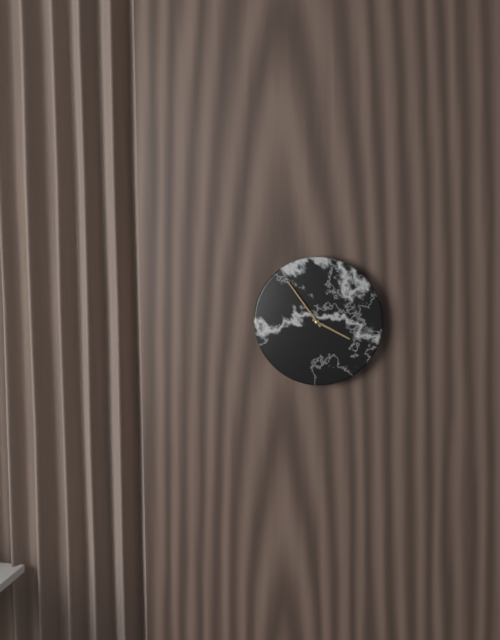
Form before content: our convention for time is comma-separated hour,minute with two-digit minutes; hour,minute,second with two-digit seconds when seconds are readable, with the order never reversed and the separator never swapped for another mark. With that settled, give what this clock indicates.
3,54
